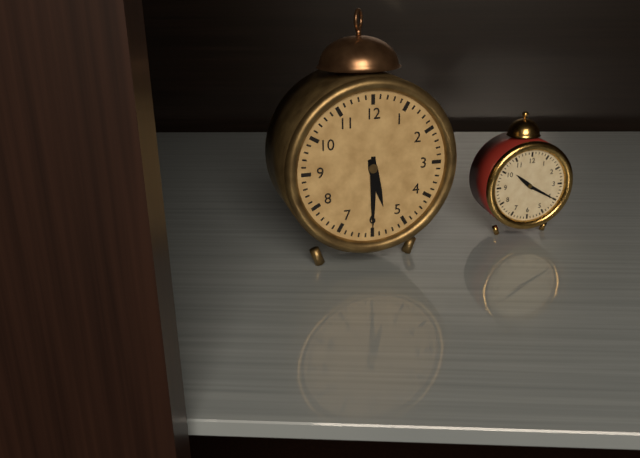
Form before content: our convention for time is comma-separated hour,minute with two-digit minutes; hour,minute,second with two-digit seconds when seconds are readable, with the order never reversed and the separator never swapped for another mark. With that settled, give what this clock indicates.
5,30
